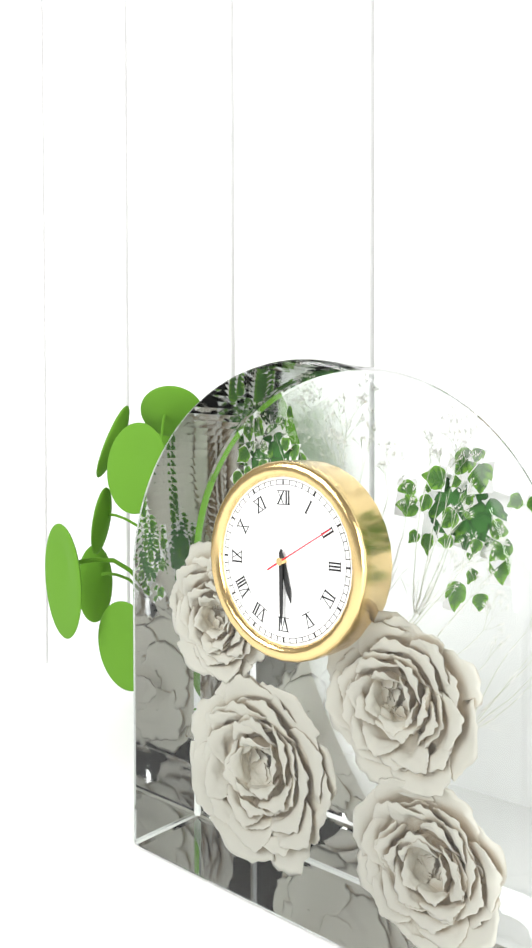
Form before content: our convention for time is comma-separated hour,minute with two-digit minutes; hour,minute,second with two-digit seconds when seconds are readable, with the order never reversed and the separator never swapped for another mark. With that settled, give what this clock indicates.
5,30,10
